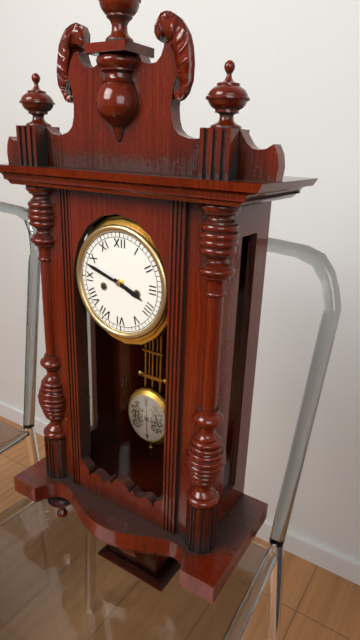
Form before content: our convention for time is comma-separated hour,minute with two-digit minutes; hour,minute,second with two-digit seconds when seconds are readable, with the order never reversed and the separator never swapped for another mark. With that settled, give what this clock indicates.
3,48
